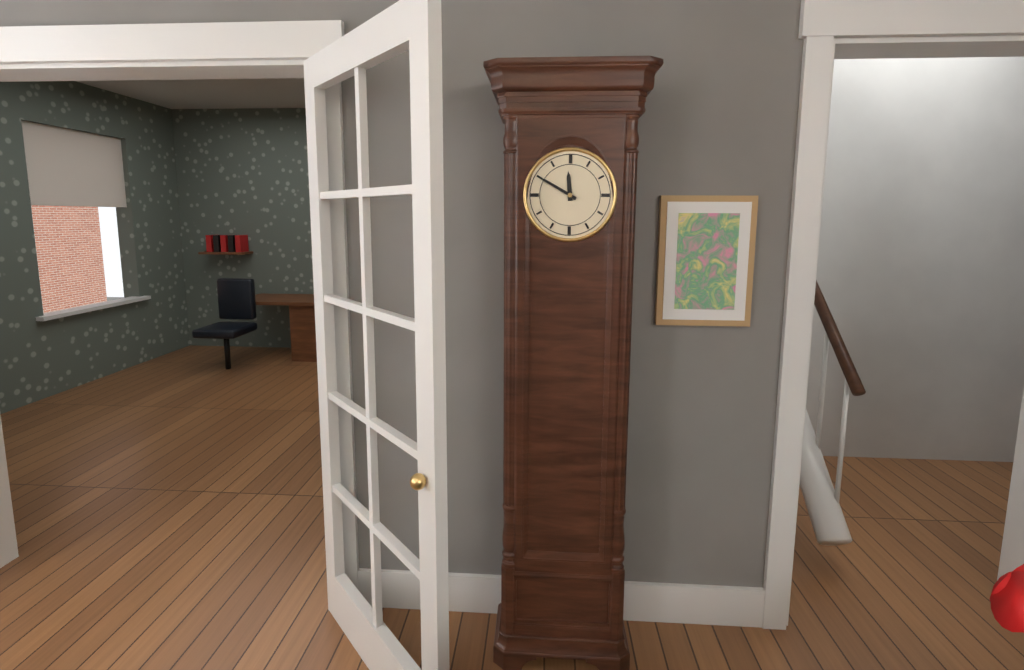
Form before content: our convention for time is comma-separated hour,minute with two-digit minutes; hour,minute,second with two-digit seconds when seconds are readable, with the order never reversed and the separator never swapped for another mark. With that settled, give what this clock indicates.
11,50
